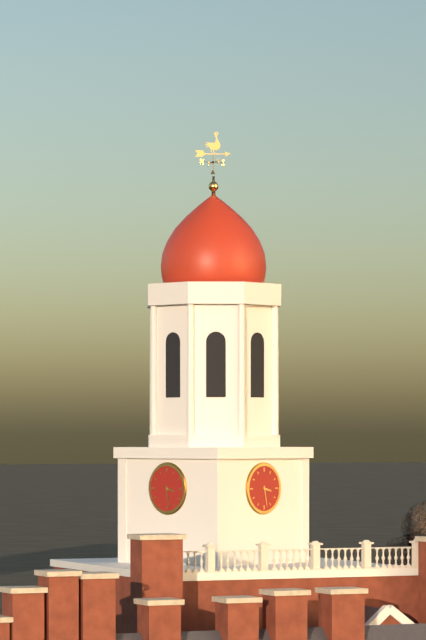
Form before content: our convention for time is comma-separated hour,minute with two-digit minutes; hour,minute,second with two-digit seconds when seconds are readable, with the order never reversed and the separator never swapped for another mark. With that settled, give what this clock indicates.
3,28
